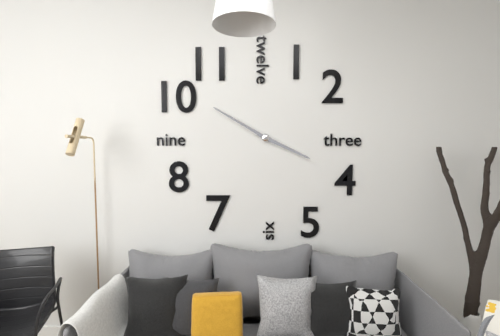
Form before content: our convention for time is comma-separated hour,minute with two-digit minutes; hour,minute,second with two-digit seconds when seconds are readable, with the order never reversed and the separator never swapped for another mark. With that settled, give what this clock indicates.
3,50
